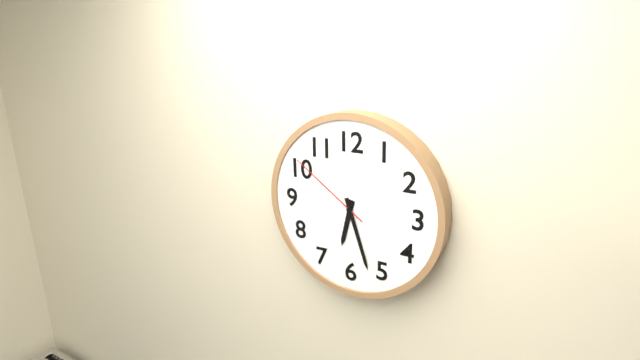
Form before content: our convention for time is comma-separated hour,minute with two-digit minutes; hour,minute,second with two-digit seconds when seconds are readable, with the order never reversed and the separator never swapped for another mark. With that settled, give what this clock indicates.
6,27,51
